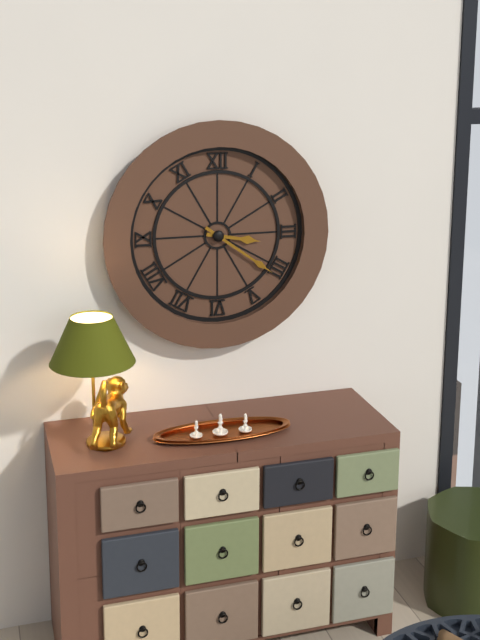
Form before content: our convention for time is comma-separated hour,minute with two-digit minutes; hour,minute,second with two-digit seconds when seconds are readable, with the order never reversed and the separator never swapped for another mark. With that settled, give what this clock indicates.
3,21
